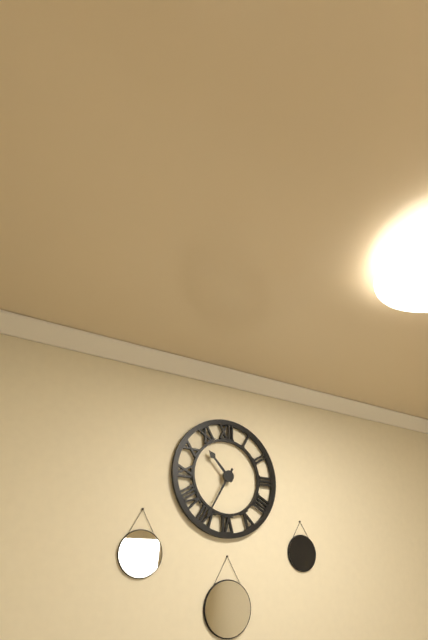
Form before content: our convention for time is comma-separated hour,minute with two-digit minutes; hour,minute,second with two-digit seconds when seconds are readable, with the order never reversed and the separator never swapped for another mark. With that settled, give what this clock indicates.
10,35
